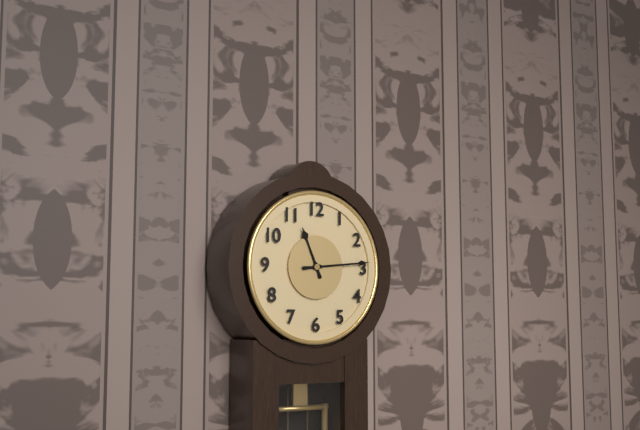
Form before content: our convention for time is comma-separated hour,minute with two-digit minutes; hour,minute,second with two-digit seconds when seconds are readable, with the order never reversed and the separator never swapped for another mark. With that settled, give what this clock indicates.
11,14
